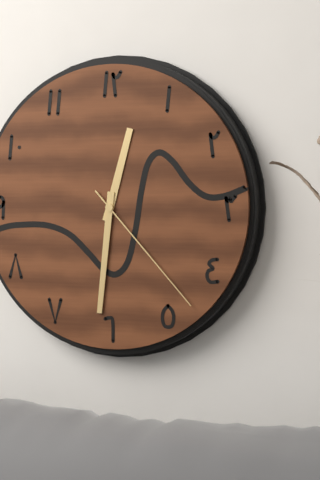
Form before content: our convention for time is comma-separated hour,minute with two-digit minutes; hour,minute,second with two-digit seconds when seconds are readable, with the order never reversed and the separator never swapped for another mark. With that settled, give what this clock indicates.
12,31,23
